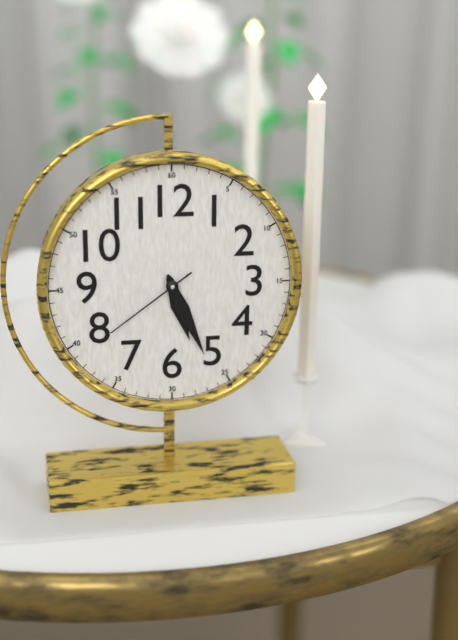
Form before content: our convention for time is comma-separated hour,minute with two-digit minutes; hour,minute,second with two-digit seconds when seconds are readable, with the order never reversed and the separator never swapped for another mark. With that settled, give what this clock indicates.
5,26,39
